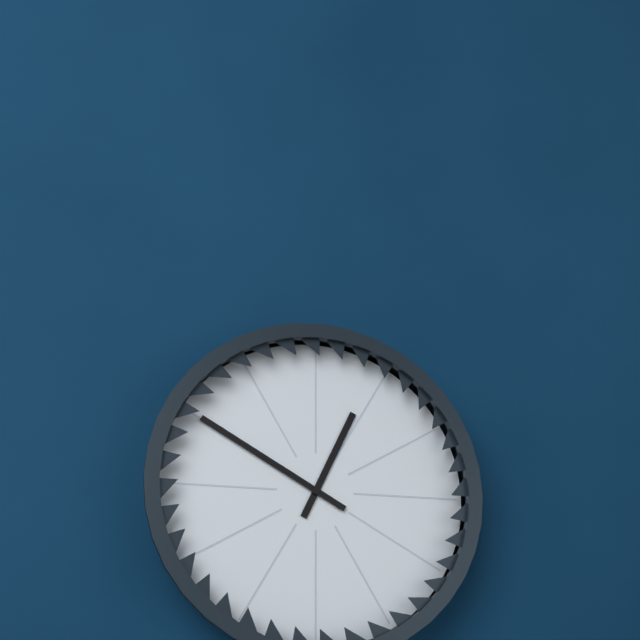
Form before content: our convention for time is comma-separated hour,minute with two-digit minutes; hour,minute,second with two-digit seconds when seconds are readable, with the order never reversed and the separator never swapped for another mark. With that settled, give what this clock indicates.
12,50
